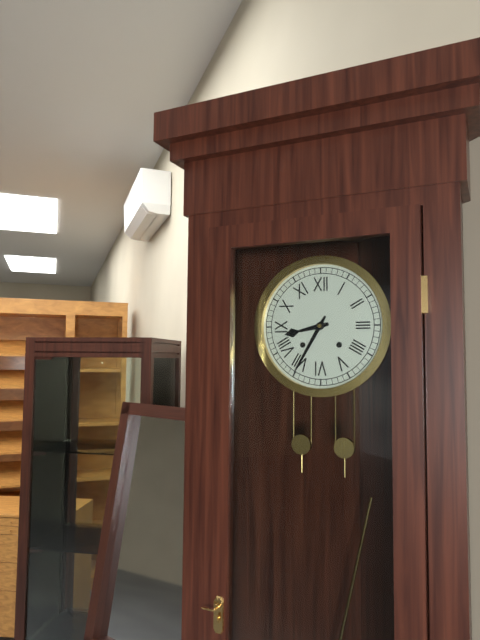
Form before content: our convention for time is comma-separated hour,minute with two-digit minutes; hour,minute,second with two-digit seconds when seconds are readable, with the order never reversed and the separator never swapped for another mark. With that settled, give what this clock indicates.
8,35
